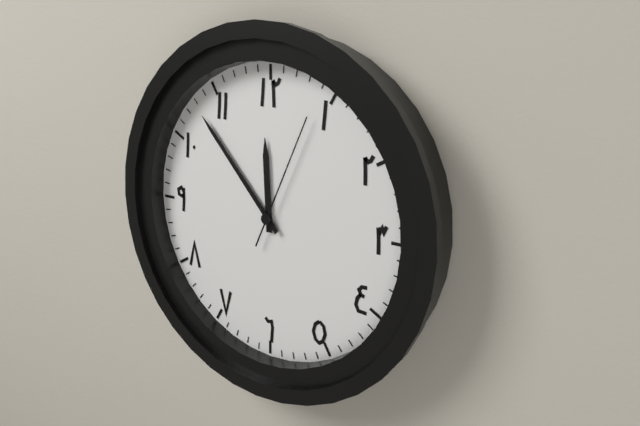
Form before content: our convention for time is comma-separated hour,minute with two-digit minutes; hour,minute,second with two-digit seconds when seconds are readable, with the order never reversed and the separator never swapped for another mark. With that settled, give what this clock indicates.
11,53,04
